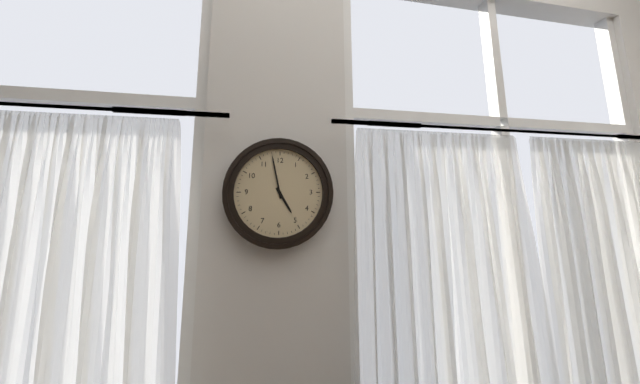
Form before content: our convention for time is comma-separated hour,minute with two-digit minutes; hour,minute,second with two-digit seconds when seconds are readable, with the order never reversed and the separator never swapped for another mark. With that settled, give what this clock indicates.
4,58
